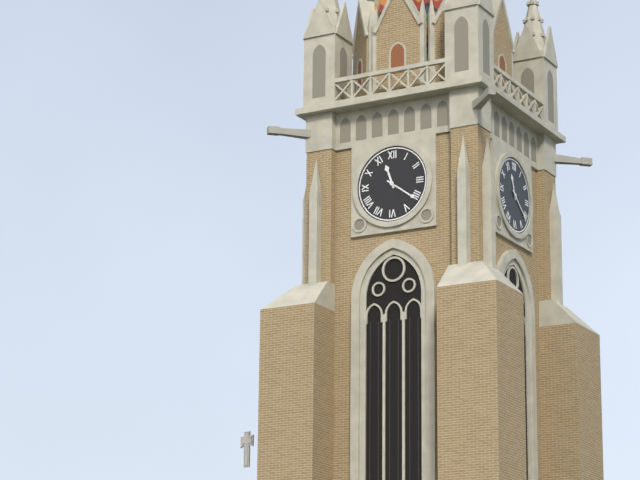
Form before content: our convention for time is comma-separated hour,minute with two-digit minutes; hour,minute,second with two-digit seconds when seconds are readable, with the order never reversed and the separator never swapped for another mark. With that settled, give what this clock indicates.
11,21
